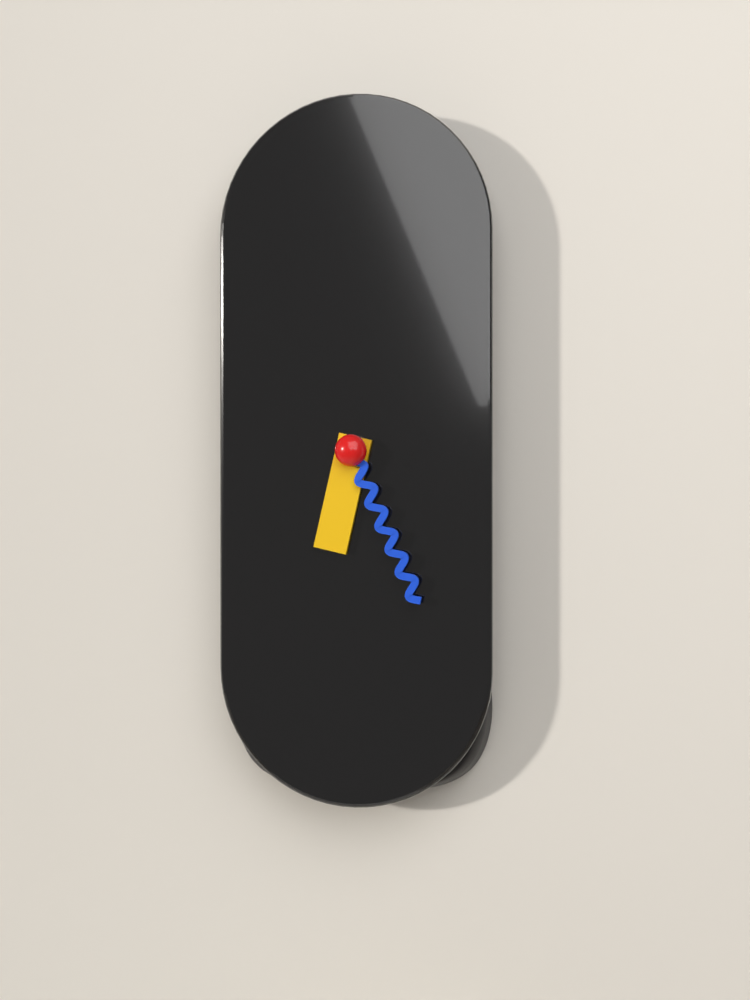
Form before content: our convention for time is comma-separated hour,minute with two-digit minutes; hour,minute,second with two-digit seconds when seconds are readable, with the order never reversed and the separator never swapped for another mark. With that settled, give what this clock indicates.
6,26
